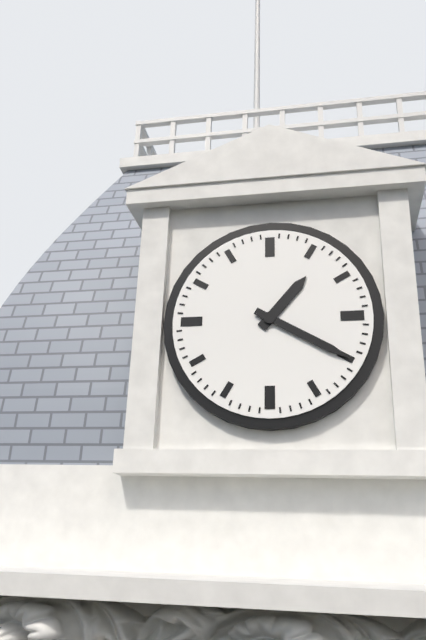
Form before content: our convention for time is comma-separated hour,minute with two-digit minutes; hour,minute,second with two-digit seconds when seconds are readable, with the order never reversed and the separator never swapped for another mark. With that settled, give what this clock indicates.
1,20
